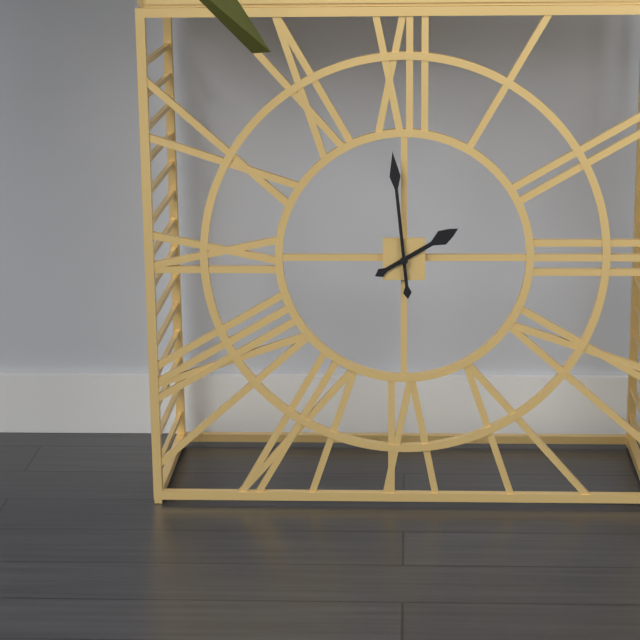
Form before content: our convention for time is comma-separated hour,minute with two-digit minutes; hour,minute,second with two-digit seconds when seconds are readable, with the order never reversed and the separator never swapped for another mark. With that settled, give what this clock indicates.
1,59
